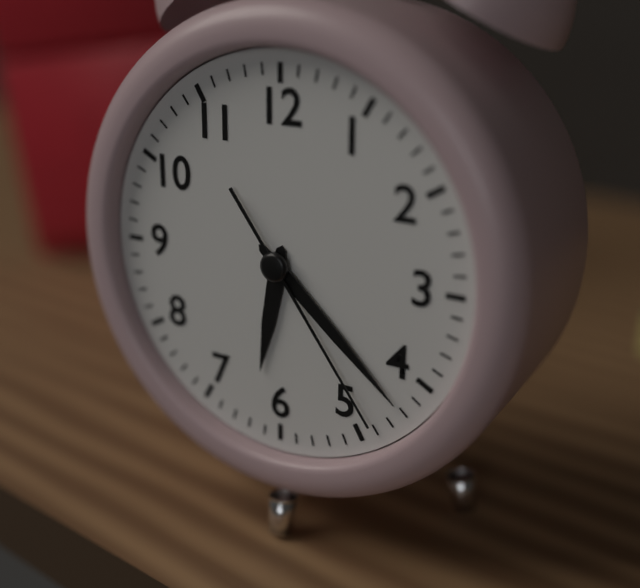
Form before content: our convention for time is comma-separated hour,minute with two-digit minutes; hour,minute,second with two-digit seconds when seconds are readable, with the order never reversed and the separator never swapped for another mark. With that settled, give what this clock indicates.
6,22,24
